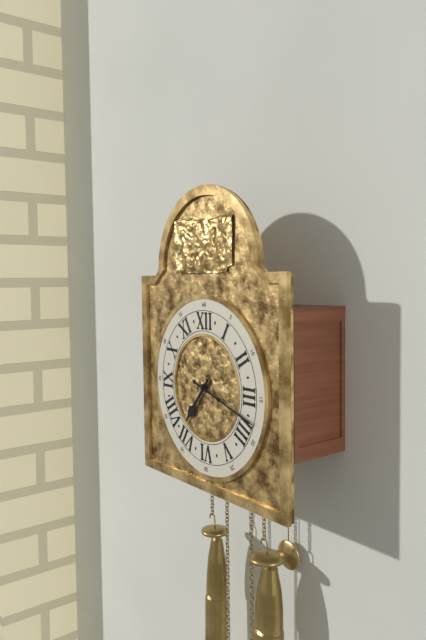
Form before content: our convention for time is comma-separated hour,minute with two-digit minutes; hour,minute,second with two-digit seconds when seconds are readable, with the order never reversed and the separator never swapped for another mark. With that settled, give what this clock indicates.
7,18
